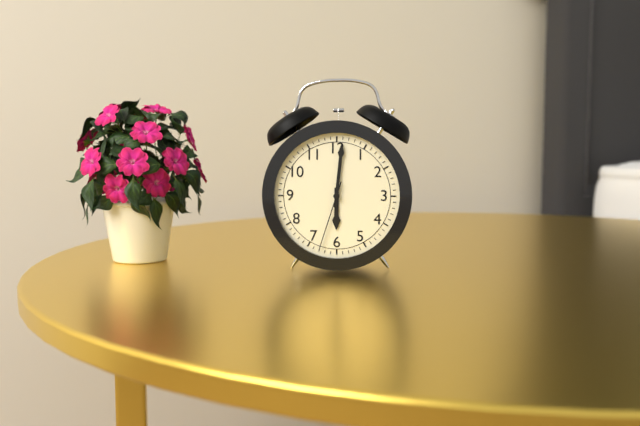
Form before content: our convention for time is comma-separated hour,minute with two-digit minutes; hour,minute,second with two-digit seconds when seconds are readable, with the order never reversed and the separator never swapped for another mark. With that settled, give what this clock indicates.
6,01,33
